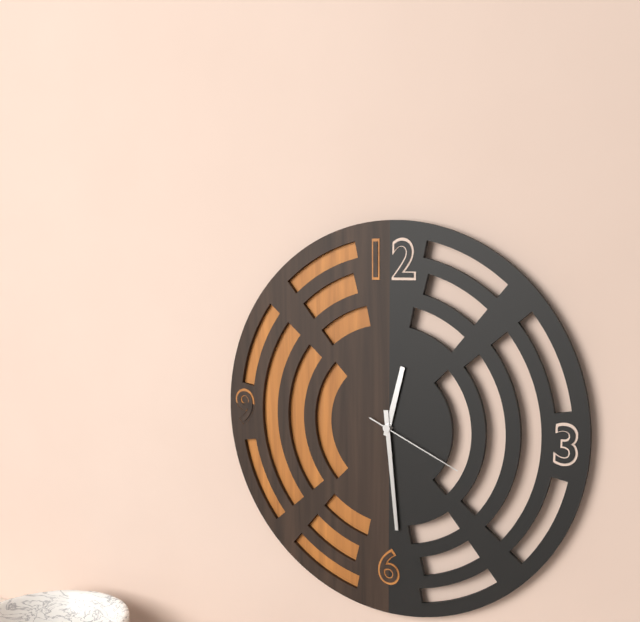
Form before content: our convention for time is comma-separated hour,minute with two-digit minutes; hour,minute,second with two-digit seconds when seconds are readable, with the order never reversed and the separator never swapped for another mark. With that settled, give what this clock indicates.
12,29,19
